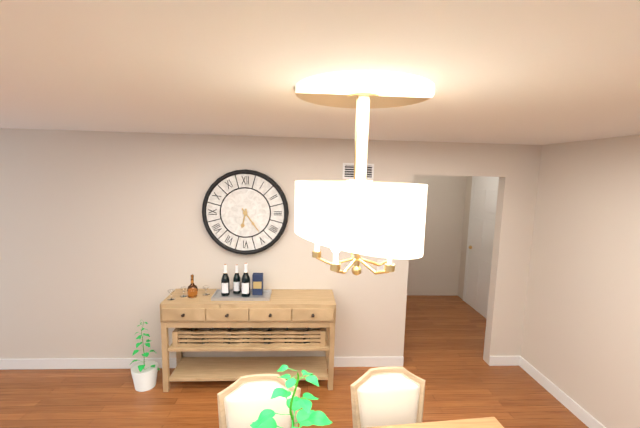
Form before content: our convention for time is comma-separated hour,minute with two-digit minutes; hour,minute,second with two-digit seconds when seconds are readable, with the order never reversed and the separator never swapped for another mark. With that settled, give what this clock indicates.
6,24
